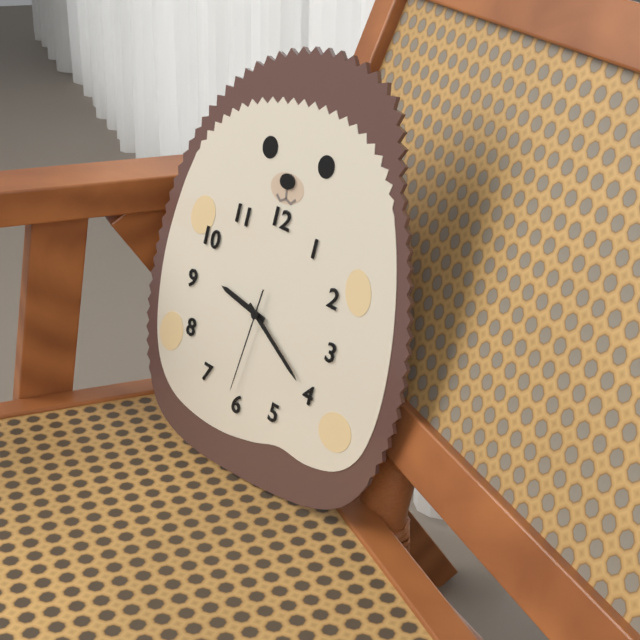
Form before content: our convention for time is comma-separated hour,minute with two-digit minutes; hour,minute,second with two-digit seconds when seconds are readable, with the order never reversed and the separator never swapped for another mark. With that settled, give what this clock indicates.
9,20,31
